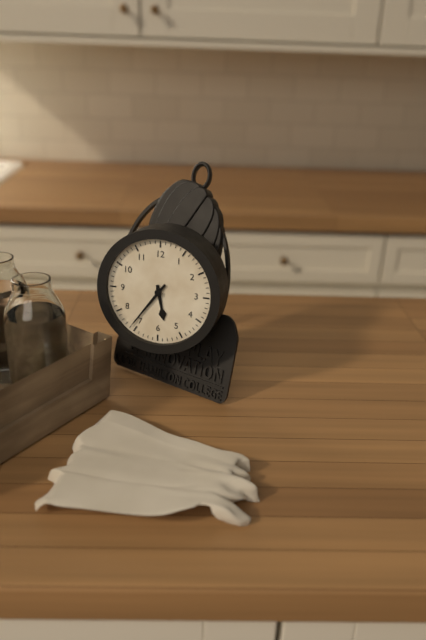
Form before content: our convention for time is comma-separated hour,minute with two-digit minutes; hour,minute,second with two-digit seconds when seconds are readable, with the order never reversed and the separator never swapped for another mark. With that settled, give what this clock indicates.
5,36
